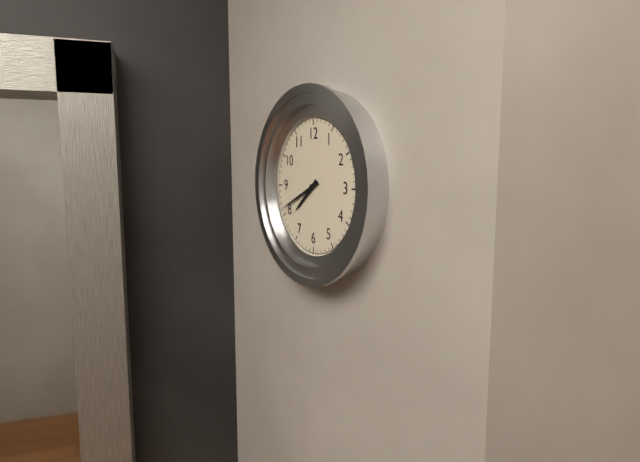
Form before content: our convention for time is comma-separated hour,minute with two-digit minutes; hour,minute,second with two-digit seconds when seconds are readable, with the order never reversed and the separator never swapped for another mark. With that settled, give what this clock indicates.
7,41
